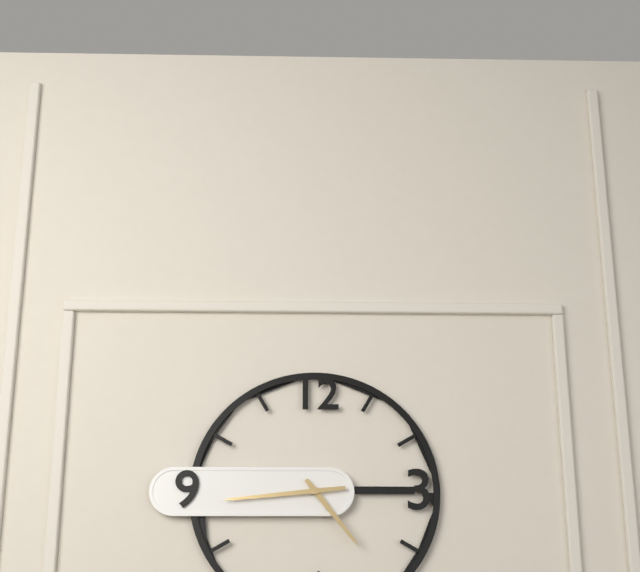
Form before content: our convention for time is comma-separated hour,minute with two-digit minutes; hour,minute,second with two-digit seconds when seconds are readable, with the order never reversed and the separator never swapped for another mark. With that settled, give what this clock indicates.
4,44
